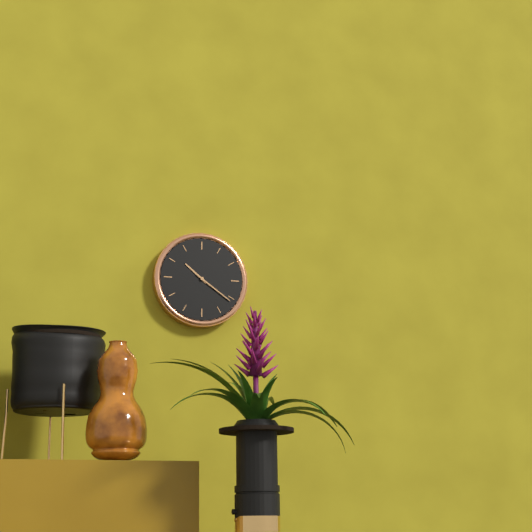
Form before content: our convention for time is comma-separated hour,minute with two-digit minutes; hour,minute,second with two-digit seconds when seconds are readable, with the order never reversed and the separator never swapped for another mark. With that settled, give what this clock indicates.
10,21
